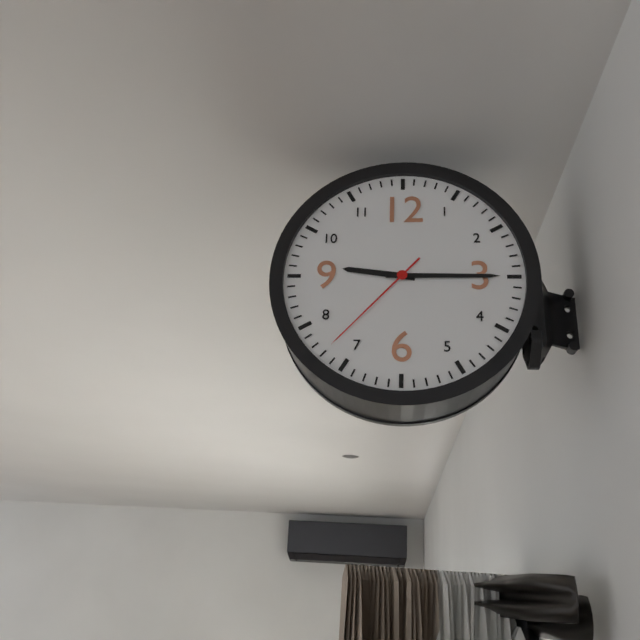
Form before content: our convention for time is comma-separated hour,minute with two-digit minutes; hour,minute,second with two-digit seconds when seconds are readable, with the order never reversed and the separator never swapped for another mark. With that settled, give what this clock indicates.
9,15,37
